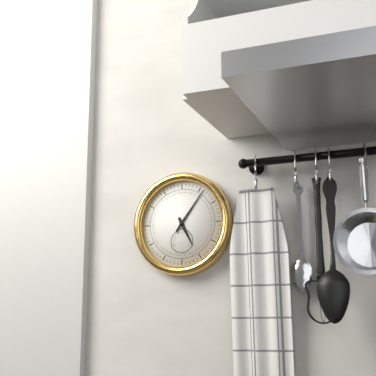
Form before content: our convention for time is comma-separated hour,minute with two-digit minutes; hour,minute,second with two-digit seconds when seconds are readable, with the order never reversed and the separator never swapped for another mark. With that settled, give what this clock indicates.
5,06
